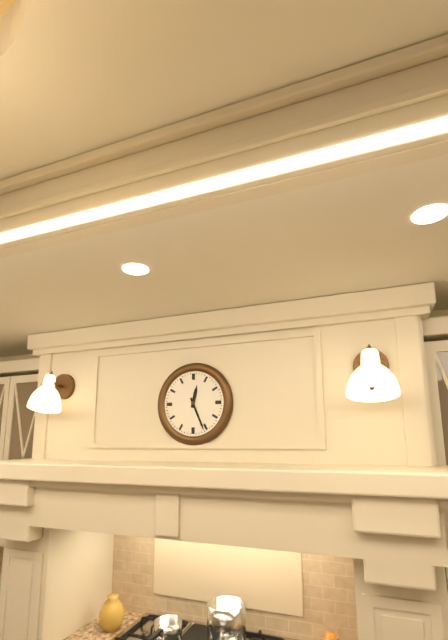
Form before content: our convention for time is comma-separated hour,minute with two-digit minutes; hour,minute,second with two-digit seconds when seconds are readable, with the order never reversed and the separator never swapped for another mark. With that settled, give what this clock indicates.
12,26
